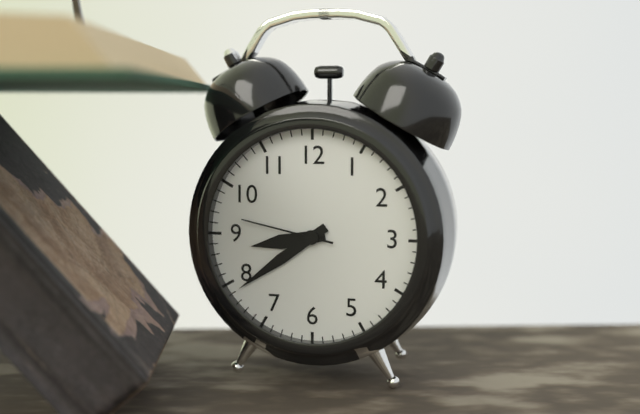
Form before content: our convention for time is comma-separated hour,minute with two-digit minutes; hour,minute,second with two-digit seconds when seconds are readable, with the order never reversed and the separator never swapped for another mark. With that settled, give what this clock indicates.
8,39,47
